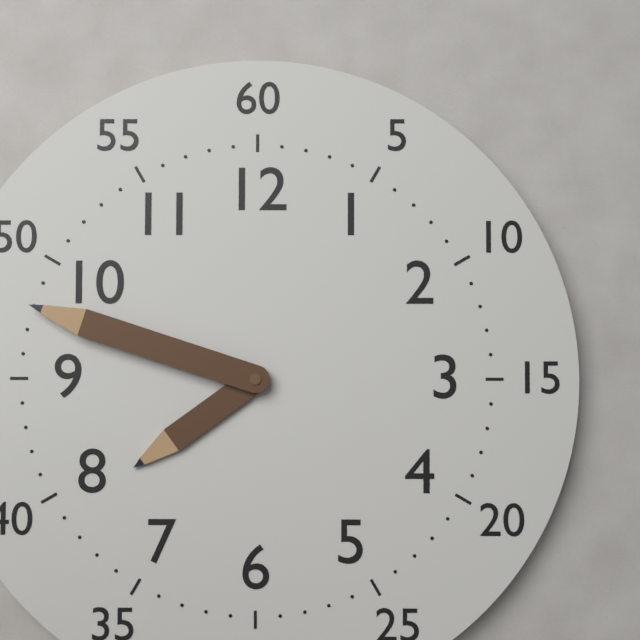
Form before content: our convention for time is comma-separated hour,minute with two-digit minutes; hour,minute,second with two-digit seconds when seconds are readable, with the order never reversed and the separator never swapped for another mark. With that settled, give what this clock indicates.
7,48
